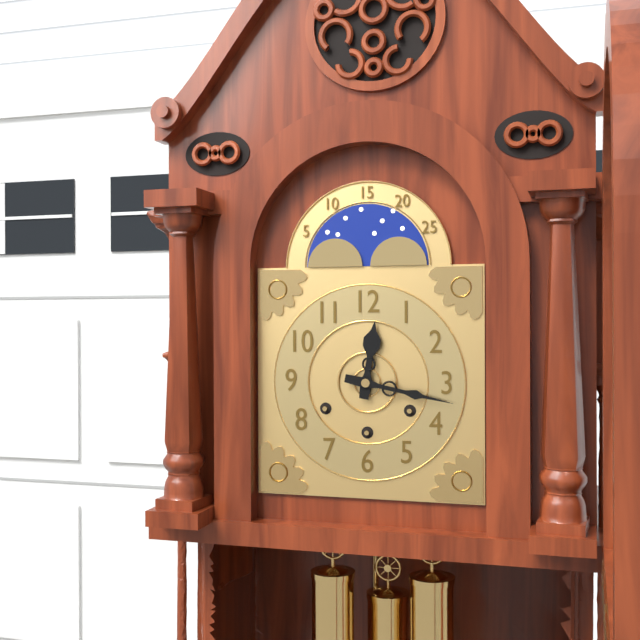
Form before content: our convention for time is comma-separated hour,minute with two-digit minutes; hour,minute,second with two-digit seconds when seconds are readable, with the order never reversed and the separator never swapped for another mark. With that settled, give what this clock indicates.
12,17
